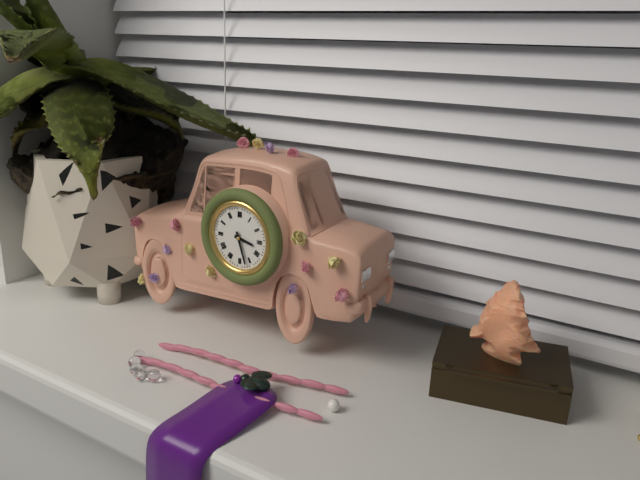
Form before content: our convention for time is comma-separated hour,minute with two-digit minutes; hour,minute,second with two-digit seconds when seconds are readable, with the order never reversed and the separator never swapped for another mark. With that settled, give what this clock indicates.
3,27
